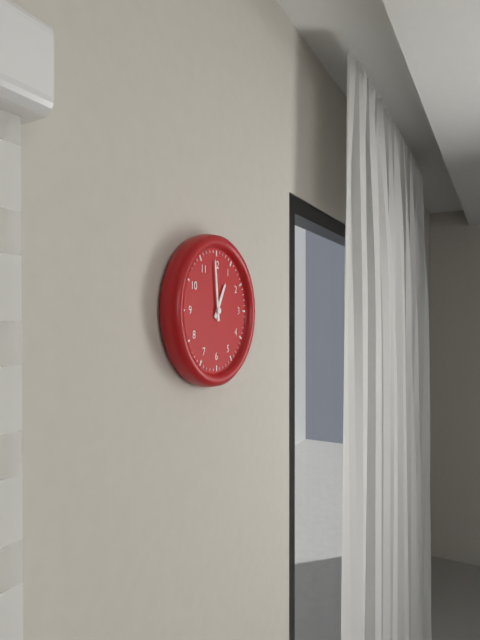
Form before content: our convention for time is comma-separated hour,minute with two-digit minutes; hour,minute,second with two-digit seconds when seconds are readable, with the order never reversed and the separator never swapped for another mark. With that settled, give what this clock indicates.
12,59
